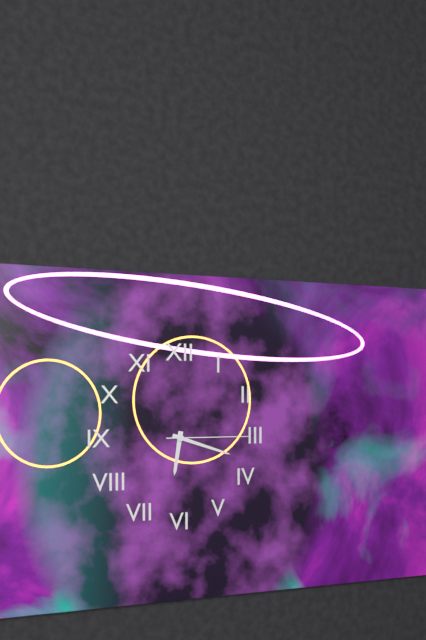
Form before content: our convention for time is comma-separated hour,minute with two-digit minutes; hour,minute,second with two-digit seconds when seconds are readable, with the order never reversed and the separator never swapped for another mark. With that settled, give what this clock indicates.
6,18,15
